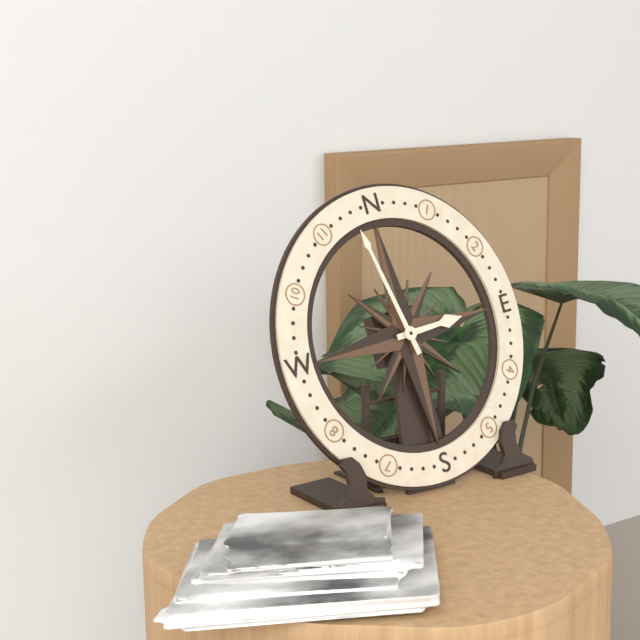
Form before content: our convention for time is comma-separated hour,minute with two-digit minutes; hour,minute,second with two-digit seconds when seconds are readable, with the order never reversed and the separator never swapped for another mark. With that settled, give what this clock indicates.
2,58
